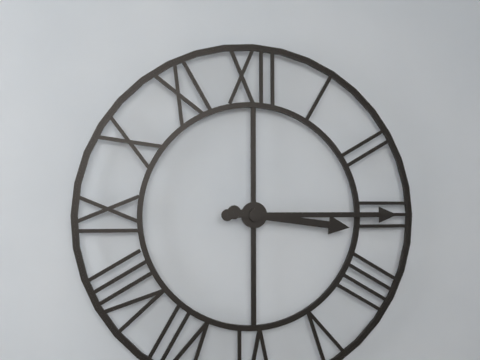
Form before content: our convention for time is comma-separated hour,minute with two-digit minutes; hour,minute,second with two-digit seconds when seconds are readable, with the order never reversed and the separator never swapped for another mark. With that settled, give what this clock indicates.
3,15
